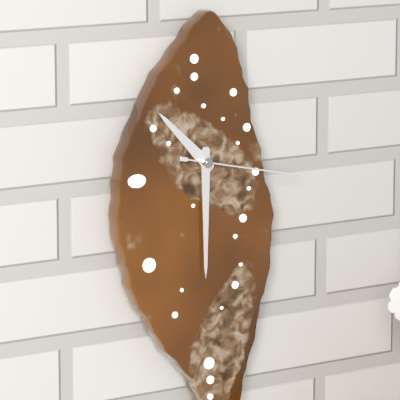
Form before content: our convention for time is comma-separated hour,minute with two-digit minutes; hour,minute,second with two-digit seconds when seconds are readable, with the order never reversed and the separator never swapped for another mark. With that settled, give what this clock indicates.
10,30,17
